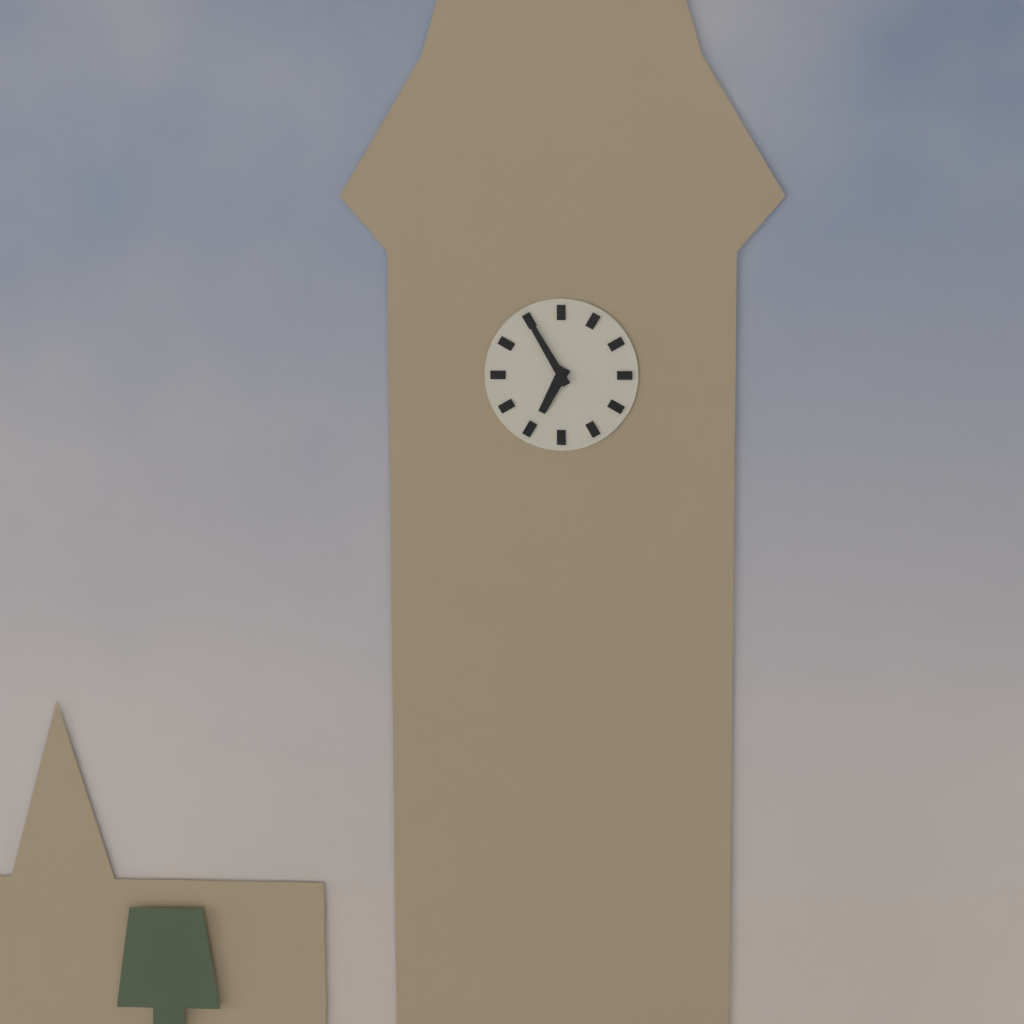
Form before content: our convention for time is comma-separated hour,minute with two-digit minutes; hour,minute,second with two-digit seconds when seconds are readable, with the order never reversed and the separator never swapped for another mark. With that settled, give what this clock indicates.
6,55
